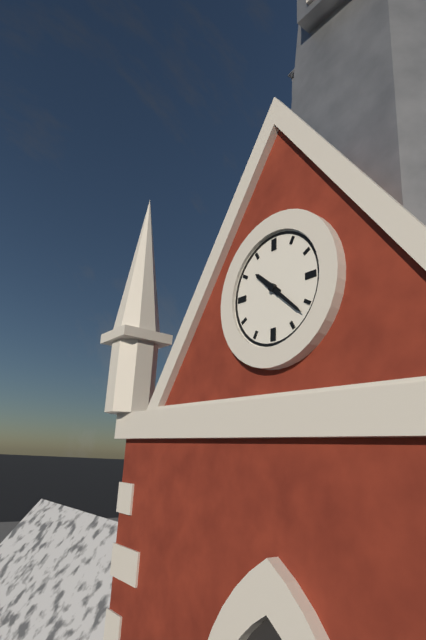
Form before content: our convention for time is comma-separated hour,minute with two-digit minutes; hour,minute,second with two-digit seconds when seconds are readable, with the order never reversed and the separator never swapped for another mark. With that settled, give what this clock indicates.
10,22
